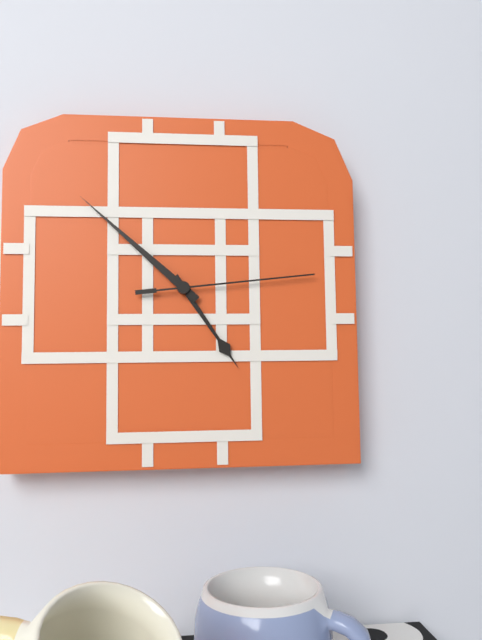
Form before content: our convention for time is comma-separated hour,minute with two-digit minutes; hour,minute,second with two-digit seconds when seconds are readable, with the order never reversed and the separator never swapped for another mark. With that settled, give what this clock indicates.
4,52,14
